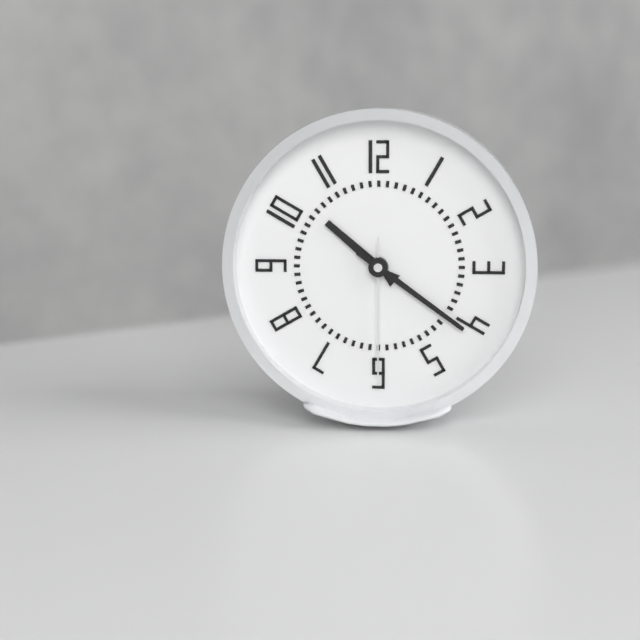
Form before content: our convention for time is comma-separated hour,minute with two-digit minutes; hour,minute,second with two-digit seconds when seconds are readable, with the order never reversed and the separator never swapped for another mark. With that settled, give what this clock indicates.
10,21,30
